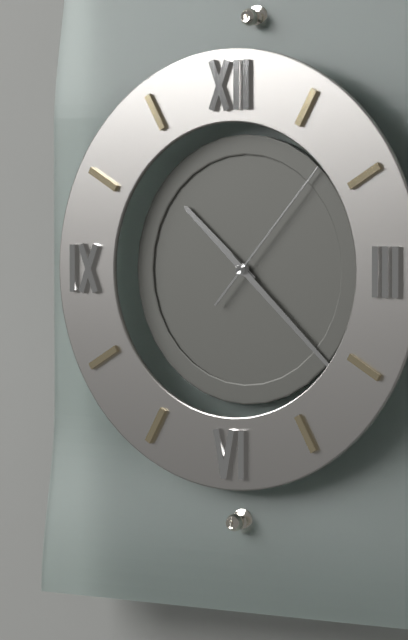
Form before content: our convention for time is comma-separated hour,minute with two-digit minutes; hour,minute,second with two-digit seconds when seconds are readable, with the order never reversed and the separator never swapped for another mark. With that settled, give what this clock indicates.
10,22,07
